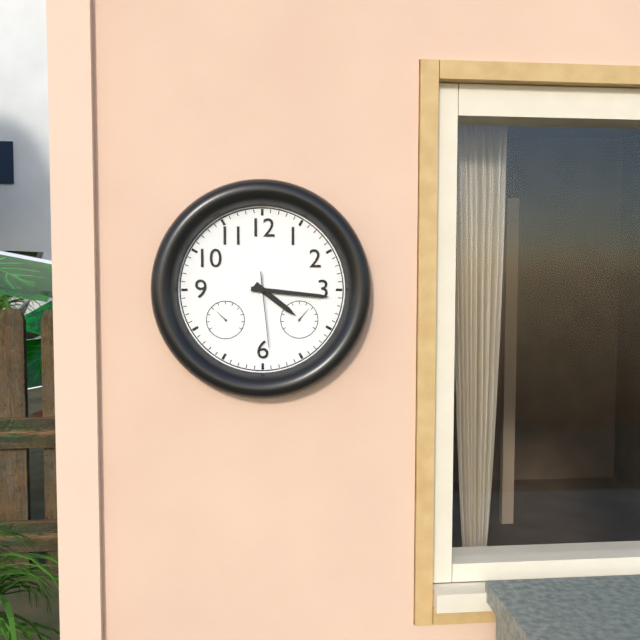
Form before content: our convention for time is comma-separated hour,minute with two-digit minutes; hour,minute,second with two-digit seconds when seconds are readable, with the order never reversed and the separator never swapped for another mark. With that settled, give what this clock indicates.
4,16,29
